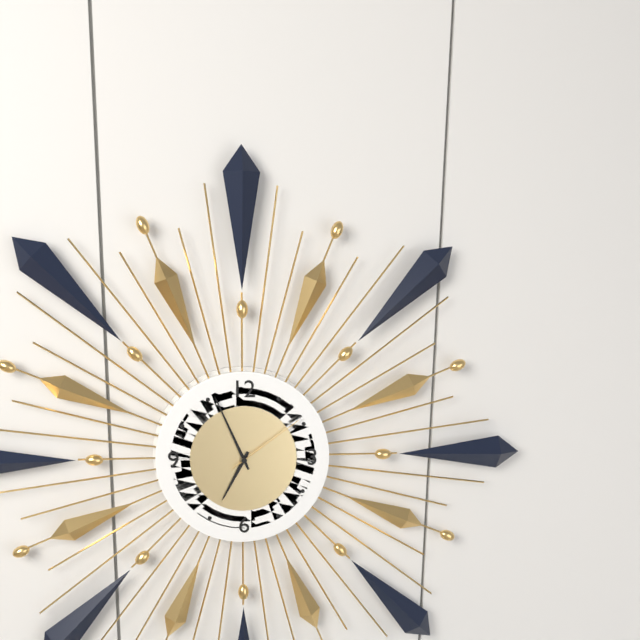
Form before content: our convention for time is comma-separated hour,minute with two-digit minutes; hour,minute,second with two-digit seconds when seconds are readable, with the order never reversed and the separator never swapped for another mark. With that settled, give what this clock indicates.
6,56,09
